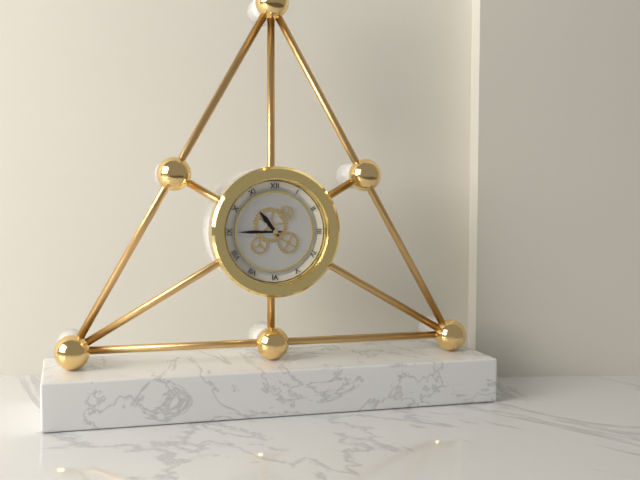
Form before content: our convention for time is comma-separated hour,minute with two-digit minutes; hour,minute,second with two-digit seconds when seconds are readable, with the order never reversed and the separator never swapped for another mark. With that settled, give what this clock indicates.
10,45
